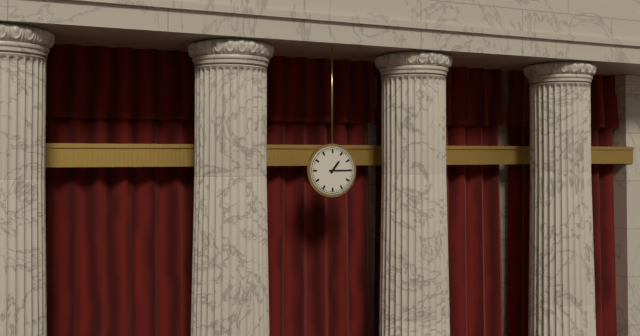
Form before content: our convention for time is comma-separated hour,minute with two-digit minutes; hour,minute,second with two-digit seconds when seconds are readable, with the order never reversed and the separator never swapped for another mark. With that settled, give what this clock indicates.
1,15
